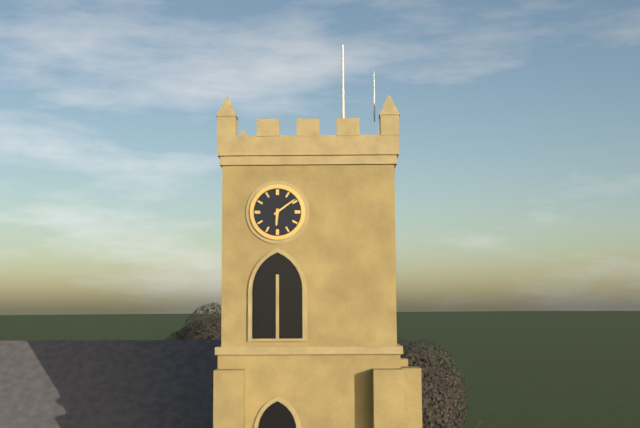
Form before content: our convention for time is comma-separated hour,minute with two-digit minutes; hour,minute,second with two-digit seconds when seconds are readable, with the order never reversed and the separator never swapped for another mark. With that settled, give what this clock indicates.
6,09
